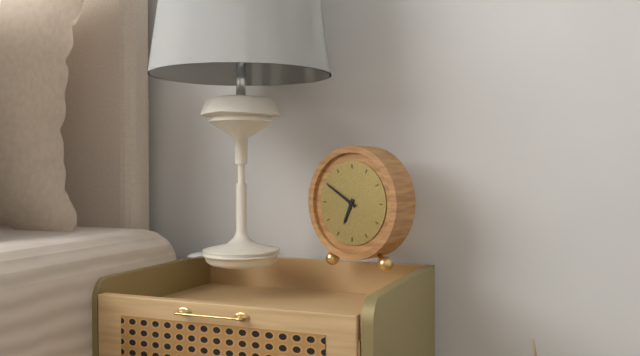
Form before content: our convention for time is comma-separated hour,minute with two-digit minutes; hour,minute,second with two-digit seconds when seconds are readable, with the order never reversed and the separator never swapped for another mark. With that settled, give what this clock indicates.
6,50
